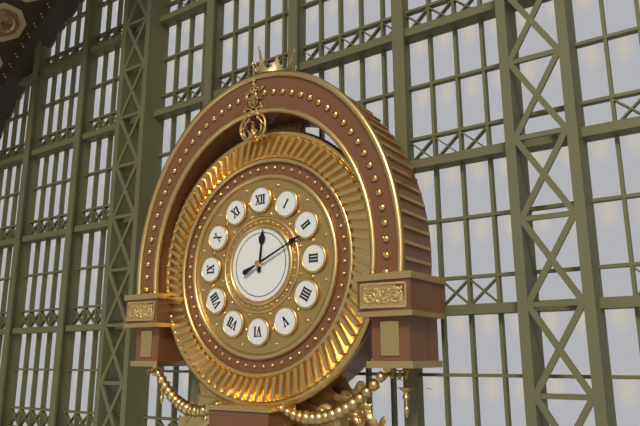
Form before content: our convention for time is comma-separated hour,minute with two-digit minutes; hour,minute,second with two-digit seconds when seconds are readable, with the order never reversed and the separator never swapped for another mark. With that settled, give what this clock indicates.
12,11
